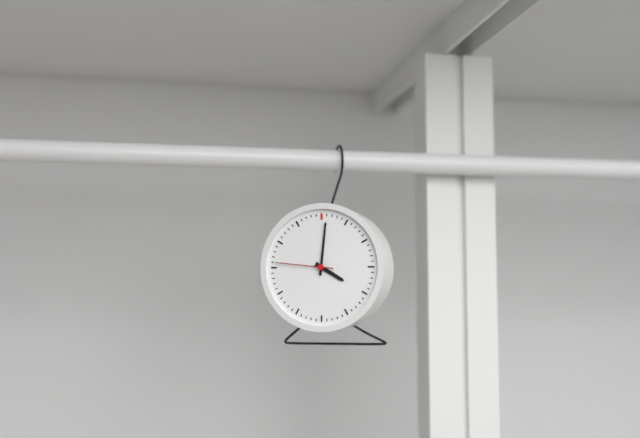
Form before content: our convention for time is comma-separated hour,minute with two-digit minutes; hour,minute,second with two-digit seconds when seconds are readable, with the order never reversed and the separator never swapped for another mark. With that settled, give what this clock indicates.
4,01,46
